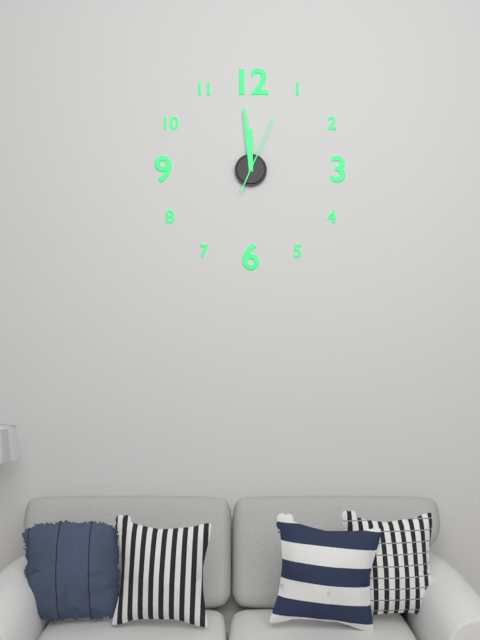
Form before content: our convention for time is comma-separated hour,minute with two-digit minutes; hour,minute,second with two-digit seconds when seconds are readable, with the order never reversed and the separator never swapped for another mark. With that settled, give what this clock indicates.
11,59,04
